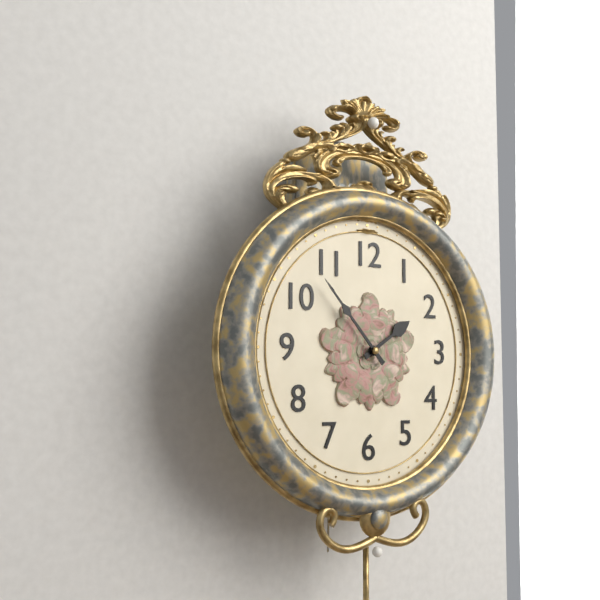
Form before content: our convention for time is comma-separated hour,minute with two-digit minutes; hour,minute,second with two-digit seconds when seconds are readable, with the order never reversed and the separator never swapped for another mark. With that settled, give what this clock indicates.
1,53
